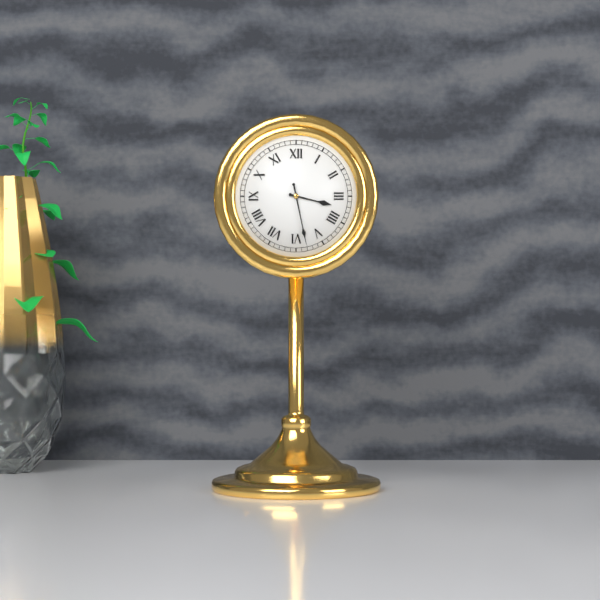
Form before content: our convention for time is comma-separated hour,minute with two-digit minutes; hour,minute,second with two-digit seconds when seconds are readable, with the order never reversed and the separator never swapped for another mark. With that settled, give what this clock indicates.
3,28
